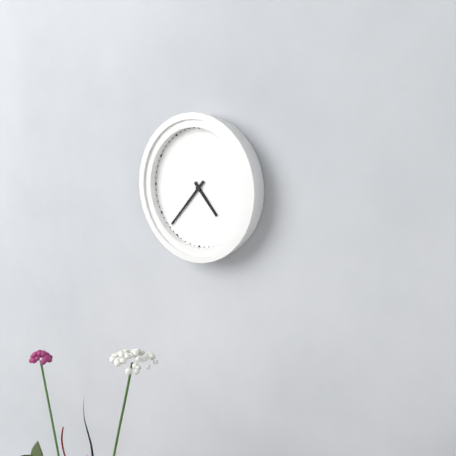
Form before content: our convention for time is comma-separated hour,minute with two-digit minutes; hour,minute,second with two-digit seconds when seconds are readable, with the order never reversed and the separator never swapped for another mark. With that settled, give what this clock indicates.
4,37
